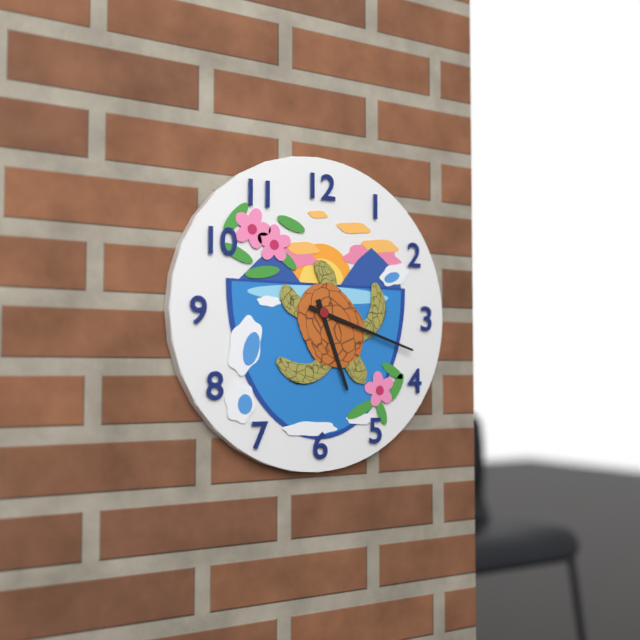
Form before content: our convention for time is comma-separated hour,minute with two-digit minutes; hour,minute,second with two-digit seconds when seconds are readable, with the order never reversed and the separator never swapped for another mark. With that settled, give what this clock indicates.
5,18
